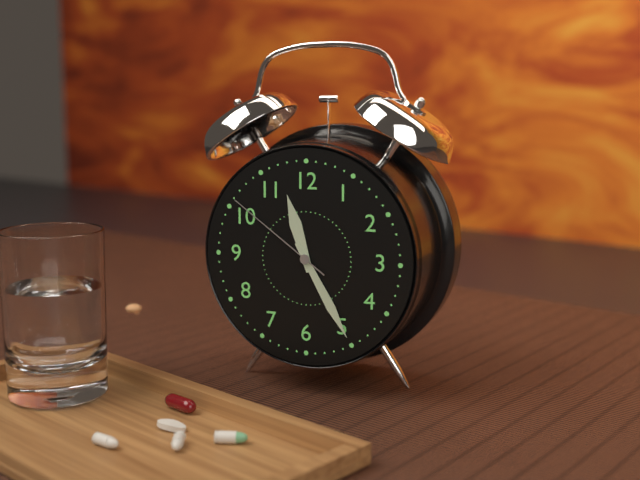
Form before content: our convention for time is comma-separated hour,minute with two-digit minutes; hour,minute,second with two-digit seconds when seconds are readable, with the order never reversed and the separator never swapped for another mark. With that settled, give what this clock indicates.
11,25,51
